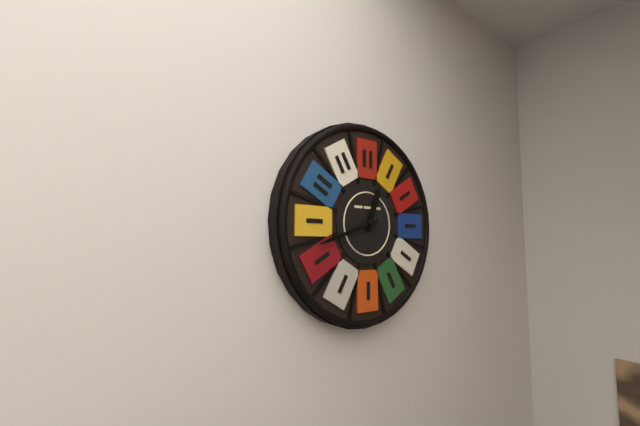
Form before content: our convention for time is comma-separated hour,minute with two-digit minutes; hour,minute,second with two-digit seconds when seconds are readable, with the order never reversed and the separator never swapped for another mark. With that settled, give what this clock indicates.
12,42
